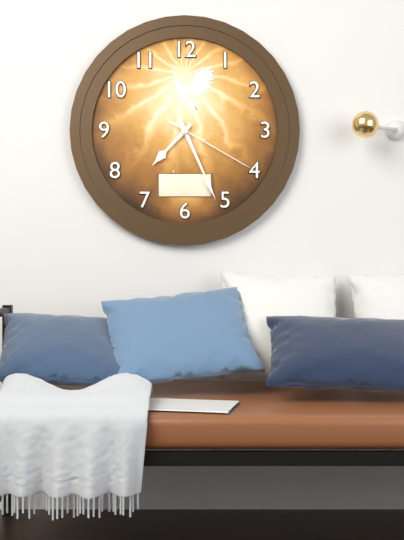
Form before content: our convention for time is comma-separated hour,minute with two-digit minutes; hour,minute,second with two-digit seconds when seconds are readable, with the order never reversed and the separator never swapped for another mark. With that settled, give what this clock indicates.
7,26,20
